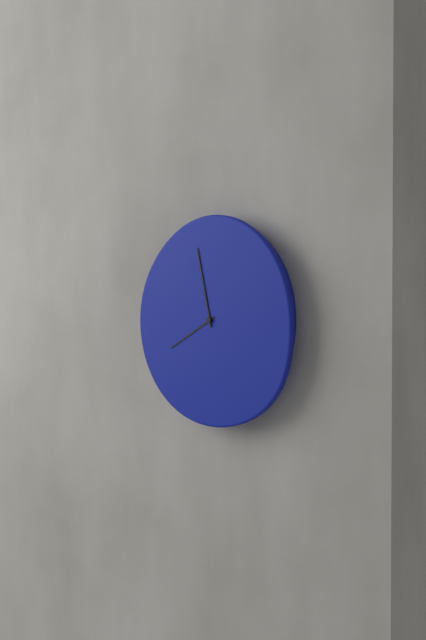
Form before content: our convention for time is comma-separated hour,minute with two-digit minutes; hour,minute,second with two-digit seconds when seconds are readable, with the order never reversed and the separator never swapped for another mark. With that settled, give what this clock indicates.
7,58
